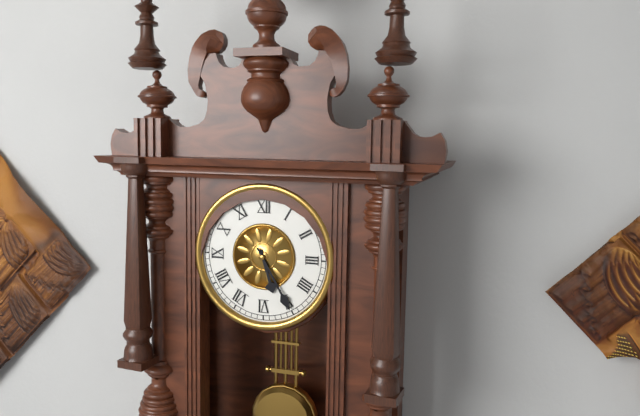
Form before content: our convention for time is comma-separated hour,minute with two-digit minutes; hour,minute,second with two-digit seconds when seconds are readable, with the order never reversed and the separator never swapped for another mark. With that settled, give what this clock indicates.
5,25
